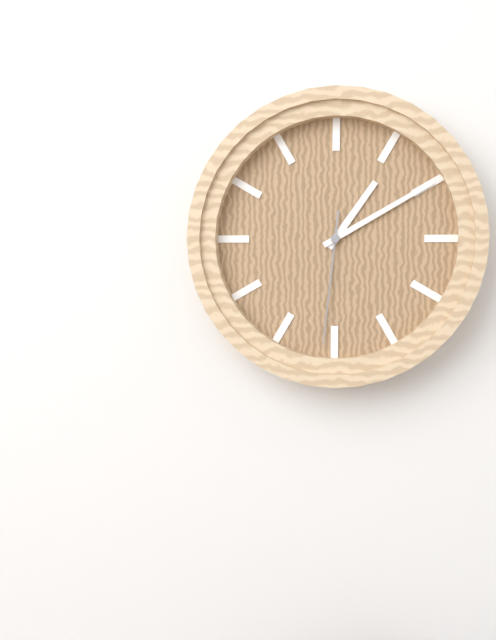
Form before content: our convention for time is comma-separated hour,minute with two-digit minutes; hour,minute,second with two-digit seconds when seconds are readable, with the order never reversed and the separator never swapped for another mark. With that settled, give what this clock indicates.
1,10,31
